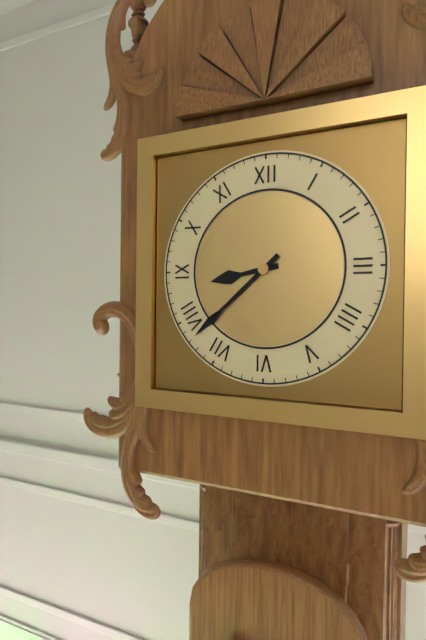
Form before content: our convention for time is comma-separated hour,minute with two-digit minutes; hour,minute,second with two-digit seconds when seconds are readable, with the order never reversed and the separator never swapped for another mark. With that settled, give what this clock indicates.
8,38
